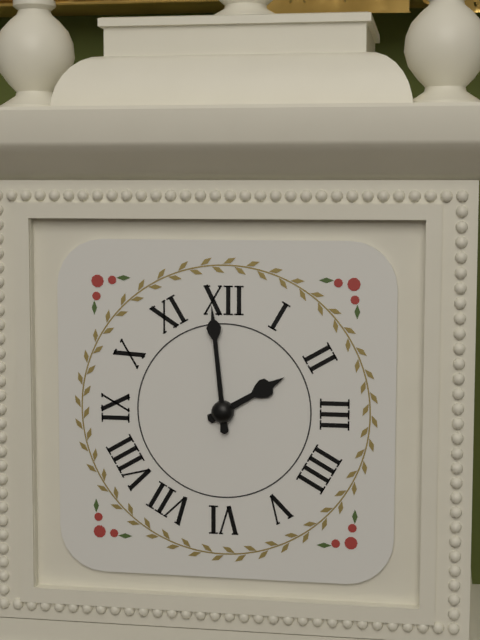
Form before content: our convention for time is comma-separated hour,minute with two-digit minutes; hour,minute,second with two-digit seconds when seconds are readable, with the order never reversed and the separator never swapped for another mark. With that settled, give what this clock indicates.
1,59
